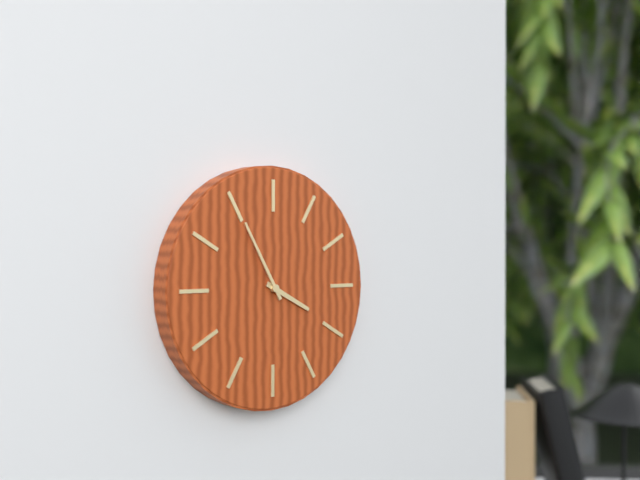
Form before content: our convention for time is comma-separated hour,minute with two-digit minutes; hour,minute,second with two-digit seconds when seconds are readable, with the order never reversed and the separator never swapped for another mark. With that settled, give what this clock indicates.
3,55
